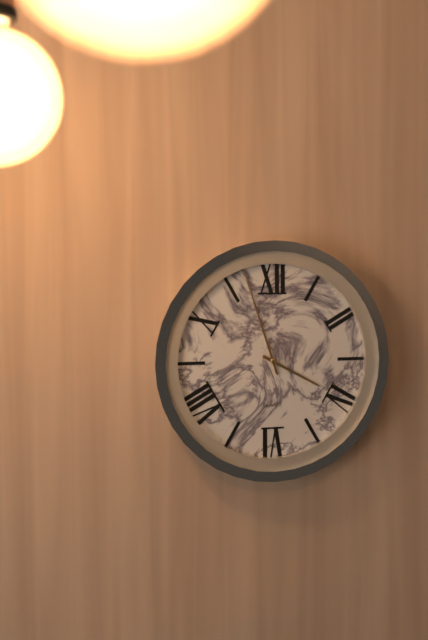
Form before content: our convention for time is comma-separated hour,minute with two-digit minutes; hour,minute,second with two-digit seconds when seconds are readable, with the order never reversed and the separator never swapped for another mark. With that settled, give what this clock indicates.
3,57
